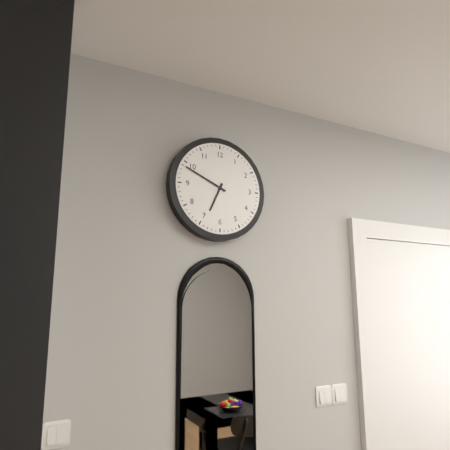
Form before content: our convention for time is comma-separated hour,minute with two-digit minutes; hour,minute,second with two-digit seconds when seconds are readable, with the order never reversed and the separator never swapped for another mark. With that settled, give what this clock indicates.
6,49
